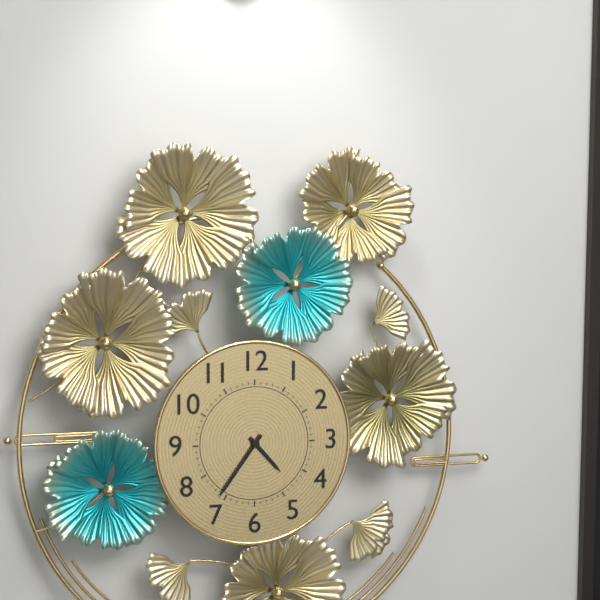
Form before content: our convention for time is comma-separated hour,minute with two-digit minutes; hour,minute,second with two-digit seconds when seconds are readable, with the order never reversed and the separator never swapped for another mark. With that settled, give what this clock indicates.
4,36
